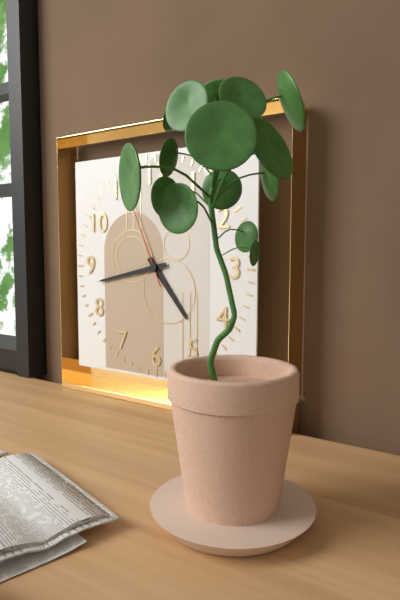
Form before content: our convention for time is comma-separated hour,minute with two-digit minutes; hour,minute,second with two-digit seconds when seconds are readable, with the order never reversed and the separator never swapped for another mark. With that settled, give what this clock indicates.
4,43,56
